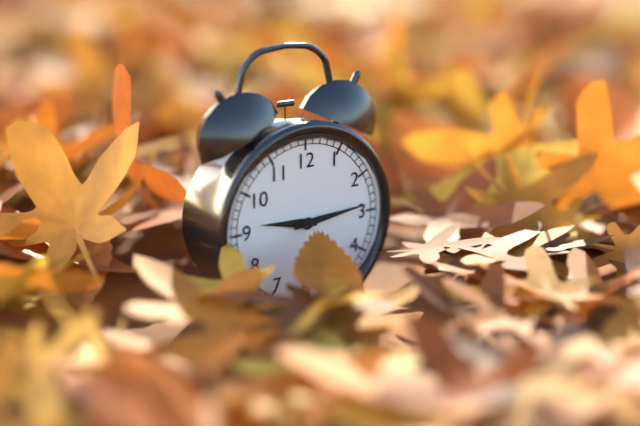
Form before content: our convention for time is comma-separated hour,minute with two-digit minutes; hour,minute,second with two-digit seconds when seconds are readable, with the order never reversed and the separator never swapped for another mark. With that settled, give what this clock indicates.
9,14
